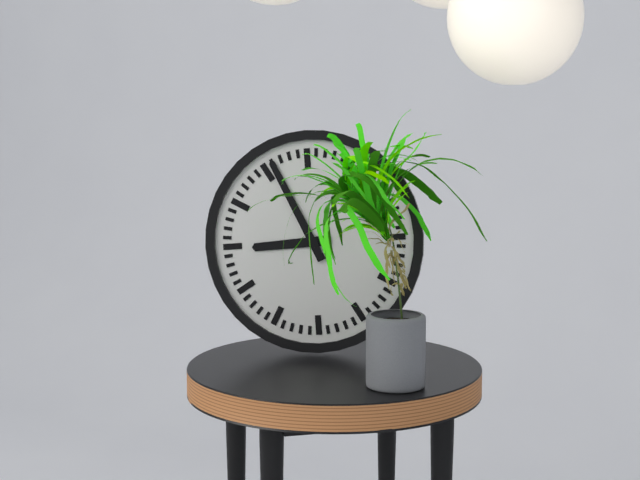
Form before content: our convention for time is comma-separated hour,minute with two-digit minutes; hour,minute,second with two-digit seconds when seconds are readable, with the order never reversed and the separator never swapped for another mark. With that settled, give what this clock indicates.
8,56
